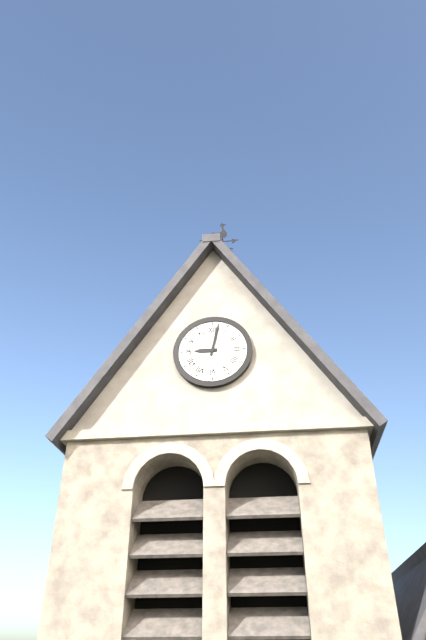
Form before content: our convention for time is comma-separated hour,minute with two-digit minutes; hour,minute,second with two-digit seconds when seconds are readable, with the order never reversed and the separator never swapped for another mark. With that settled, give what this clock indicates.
9,02
